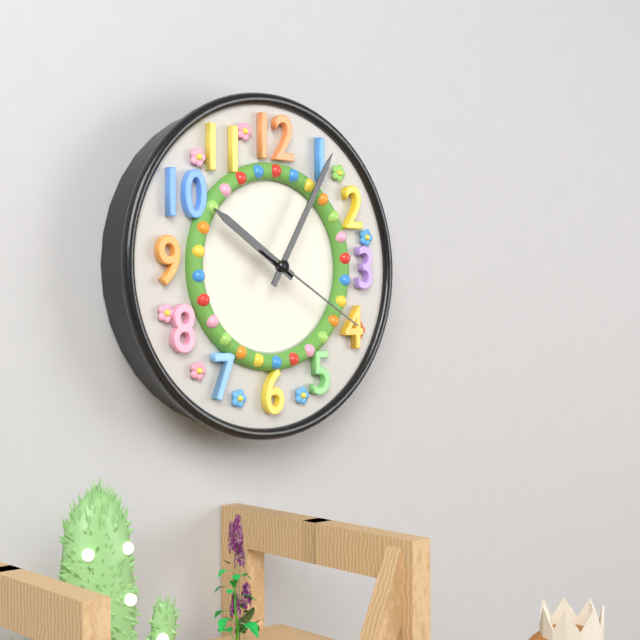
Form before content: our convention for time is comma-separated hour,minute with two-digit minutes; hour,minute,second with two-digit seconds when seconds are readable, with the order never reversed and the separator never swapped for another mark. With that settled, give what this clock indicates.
10,05,20
